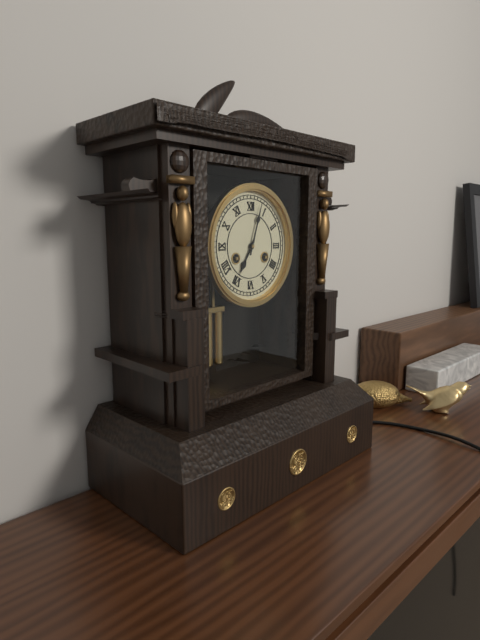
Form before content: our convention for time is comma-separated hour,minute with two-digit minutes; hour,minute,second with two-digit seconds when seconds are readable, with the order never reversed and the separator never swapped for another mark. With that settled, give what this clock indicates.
7,03
